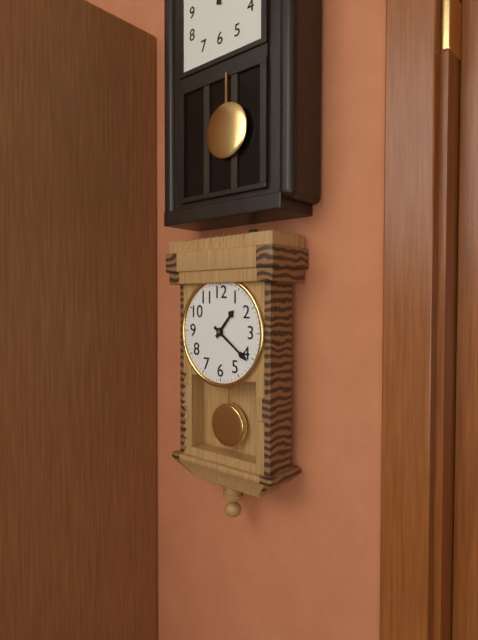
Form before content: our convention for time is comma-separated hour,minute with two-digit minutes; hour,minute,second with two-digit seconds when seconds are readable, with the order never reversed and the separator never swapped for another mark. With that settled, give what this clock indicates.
1,21
